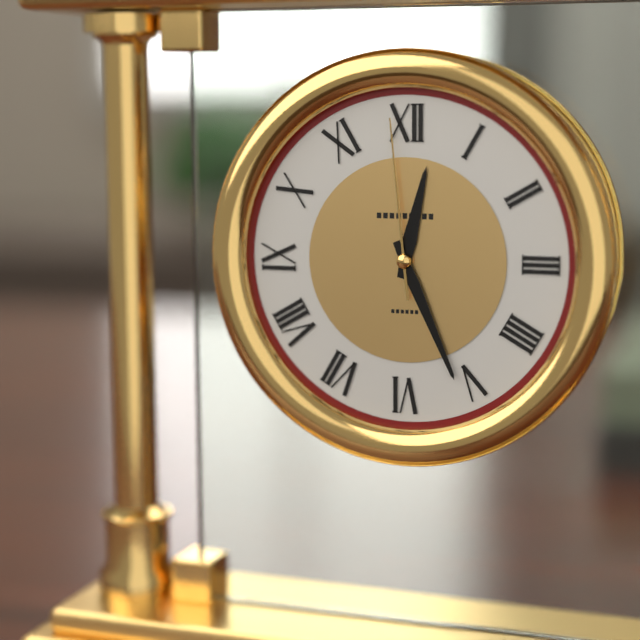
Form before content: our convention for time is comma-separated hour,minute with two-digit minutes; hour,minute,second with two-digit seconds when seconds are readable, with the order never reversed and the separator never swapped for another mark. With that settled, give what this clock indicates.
12,26,59
